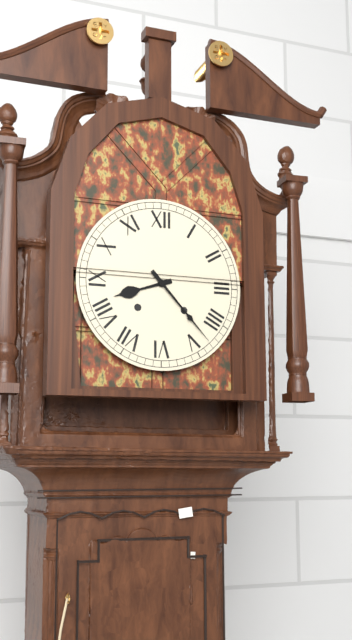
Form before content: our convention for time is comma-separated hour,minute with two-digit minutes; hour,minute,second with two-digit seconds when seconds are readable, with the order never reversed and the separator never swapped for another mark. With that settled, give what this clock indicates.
8,23
